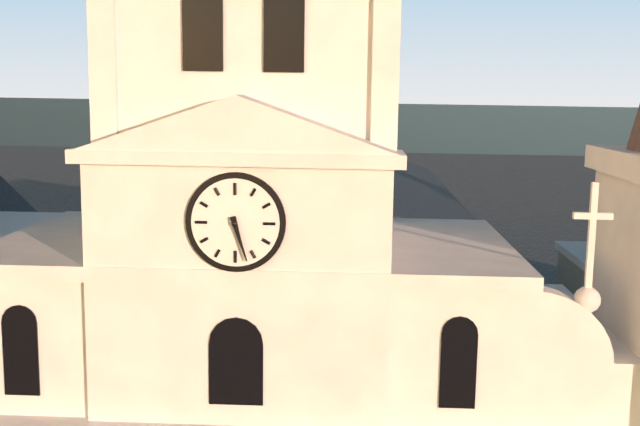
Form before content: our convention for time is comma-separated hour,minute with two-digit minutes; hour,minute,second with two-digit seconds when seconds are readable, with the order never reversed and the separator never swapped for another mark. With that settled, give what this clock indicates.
5,27
